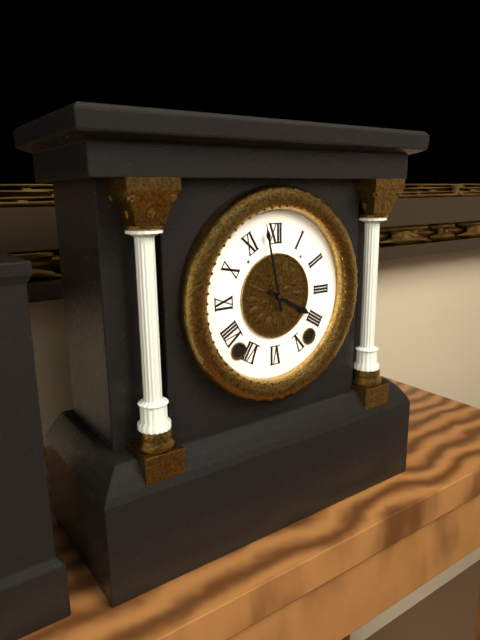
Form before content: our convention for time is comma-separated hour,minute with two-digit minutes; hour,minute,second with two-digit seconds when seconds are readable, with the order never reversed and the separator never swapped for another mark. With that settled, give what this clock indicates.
3,58
